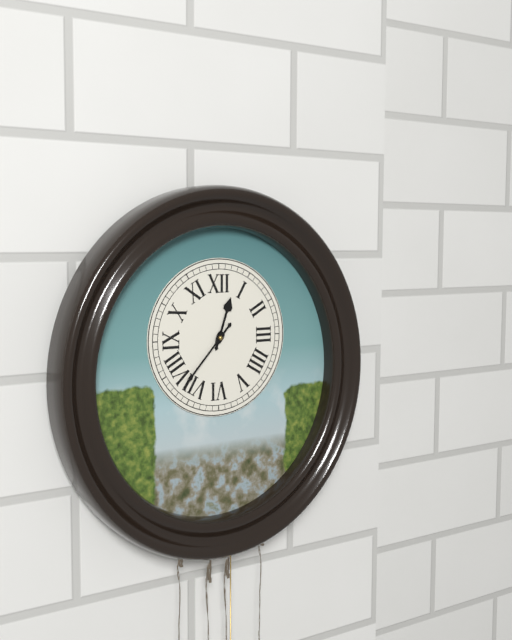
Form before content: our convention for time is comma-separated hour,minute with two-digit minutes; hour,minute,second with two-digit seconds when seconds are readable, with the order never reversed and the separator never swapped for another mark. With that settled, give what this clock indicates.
12,37
